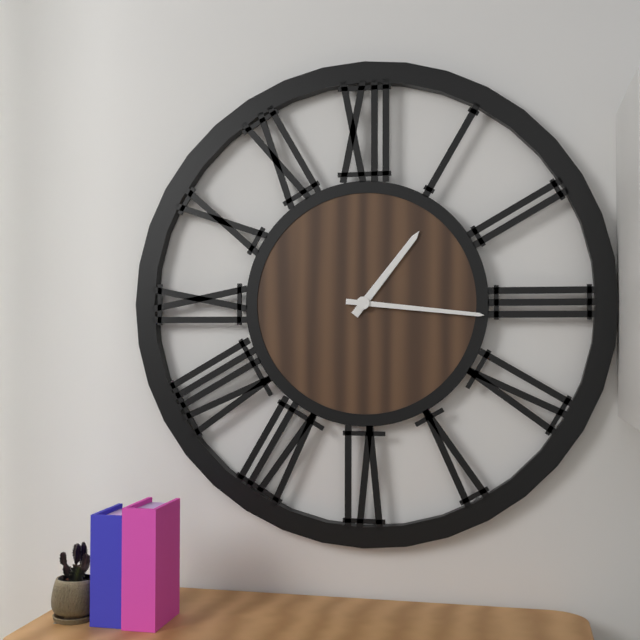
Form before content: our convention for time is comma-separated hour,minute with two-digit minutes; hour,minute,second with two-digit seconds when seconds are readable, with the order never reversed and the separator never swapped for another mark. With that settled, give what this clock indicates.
1,16
